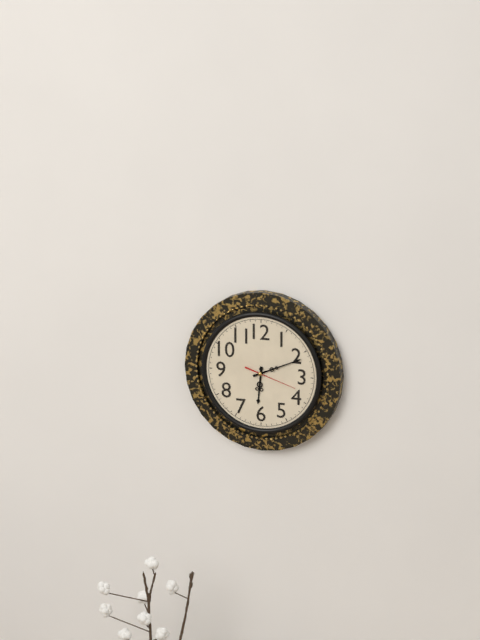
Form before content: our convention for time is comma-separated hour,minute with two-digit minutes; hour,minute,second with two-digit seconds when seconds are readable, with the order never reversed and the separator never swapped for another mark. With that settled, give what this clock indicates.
6,11
